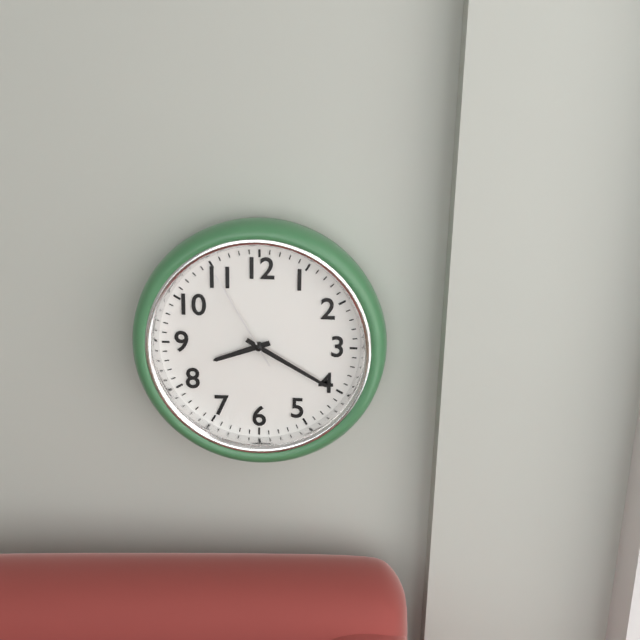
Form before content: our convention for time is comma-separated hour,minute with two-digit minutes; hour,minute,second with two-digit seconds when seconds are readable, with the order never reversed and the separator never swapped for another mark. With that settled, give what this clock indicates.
8,20,55
